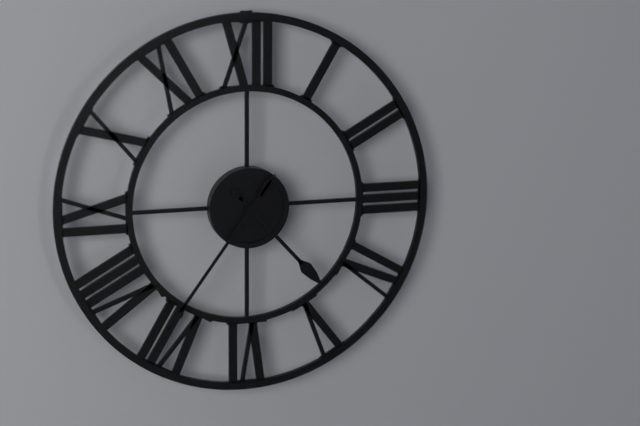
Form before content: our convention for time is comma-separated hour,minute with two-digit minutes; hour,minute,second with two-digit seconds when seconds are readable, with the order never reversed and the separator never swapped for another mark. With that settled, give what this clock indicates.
4,36
